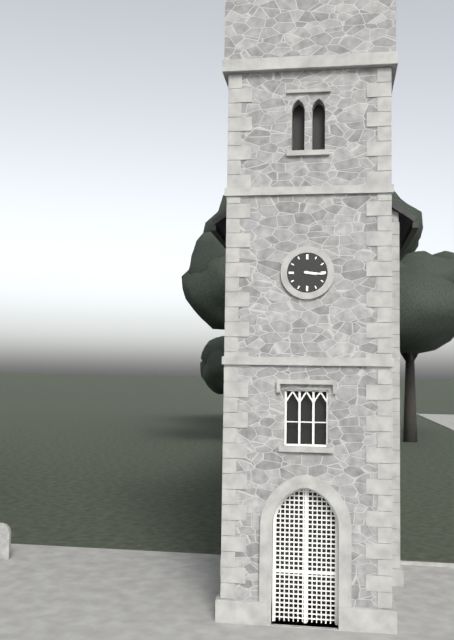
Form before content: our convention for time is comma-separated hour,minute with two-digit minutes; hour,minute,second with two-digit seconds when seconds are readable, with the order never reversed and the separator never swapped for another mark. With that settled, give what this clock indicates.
3,16
